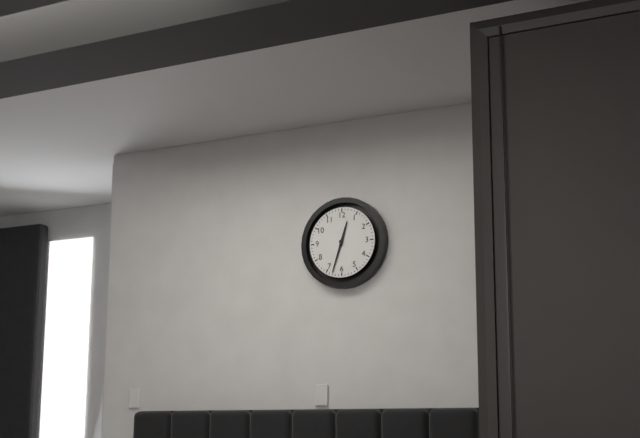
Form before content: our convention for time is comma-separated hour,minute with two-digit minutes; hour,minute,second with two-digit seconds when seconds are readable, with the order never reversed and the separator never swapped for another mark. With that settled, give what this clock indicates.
12,33
